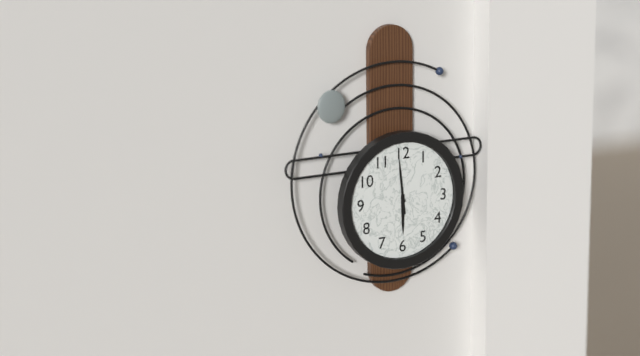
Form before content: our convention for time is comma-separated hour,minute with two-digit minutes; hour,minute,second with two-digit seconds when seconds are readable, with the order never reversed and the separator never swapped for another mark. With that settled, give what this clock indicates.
5,59
